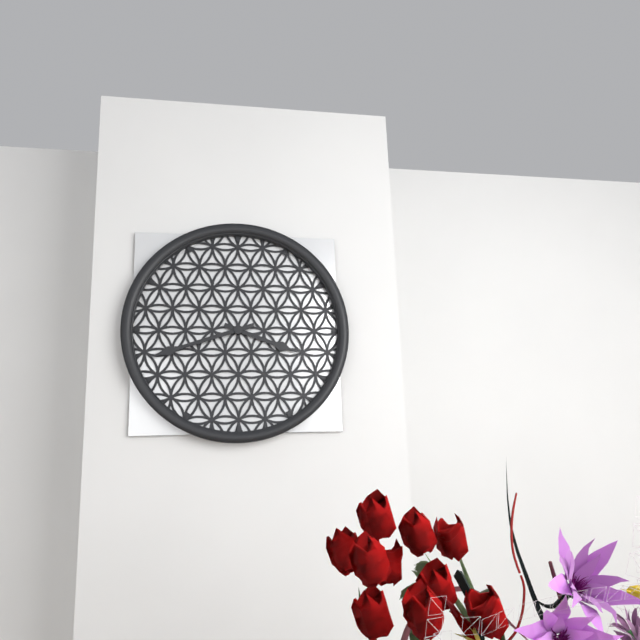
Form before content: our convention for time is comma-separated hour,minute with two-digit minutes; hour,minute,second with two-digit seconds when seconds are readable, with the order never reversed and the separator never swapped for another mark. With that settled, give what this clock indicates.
3,42
